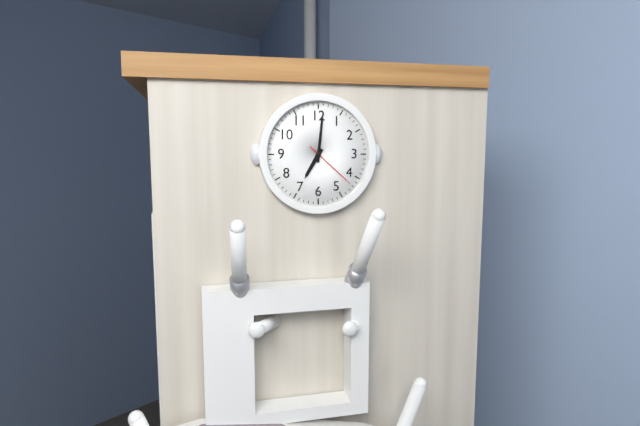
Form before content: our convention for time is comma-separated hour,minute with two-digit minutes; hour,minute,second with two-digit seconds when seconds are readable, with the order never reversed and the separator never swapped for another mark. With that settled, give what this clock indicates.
7,01,22
